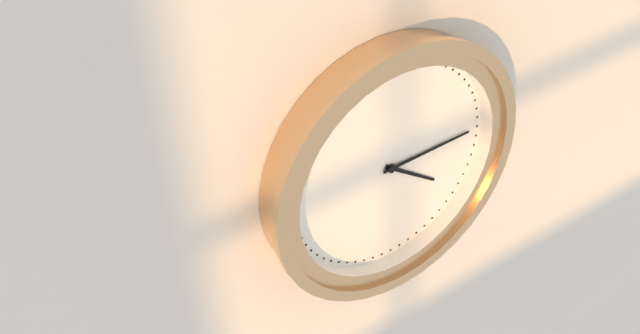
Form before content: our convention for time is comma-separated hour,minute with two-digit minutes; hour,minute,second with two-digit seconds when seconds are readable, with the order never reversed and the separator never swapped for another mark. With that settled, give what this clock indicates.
4,15
